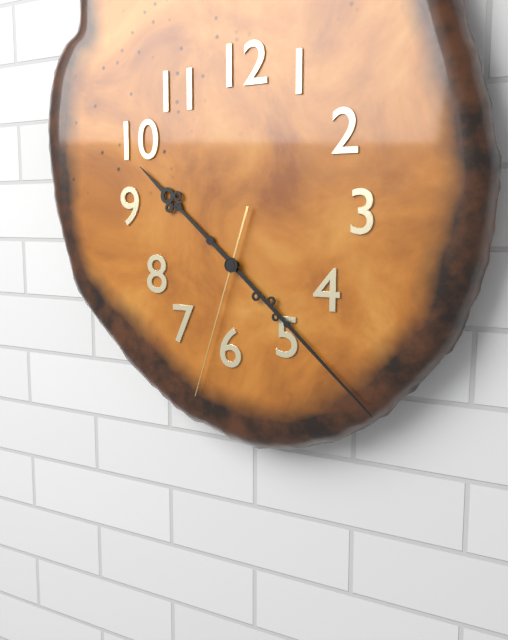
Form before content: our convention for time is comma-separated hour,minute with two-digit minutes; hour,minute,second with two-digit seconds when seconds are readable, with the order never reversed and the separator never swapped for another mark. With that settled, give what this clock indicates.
10,22,33
